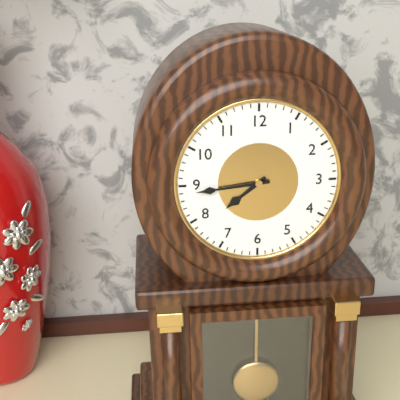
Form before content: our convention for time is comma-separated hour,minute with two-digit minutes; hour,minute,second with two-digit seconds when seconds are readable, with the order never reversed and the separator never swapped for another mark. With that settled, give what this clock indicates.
7,44
